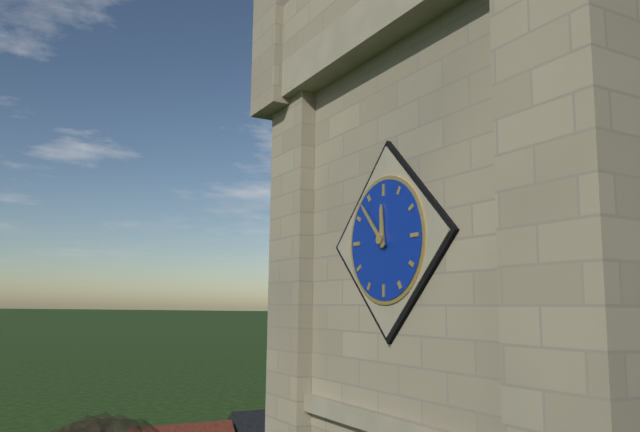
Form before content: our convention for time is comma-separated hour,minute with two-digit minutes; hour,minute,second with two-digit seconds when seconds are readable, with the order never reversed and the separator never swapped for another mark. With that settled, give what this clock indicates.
11,53
